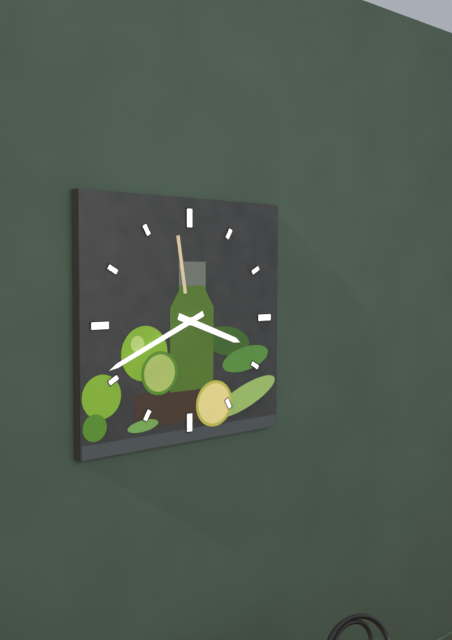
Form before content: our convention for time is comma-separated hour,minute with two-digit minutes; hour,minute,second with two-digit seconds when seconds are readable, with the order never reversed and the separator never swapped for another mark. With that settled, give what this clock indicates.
3,41
